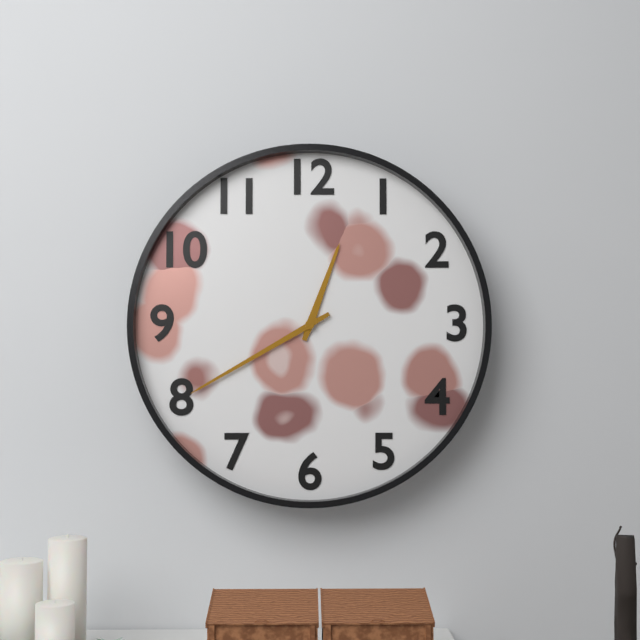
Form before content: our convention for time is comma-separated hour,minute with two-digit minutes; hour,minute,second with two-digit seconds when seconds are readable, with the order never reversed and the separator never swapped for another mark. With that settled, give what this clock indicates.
12,40
